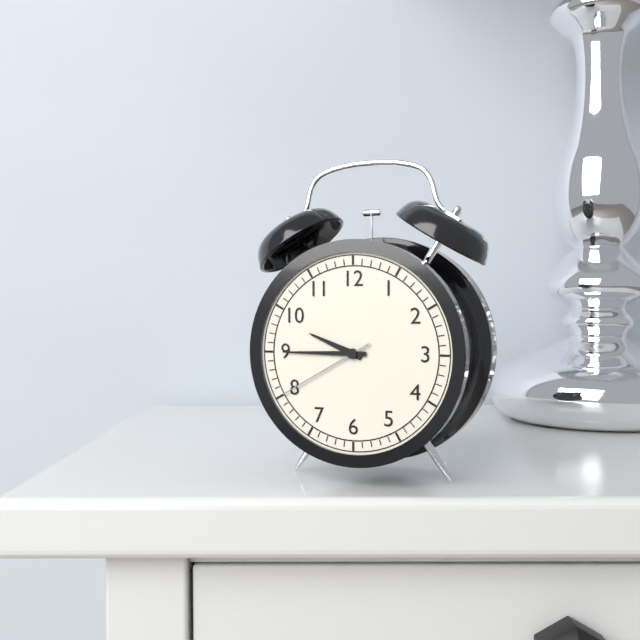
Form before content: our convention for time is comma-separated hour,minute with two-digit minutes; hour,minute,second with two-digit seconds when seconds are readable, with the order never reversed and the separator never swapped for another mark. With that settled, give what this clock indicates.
9,45,40
